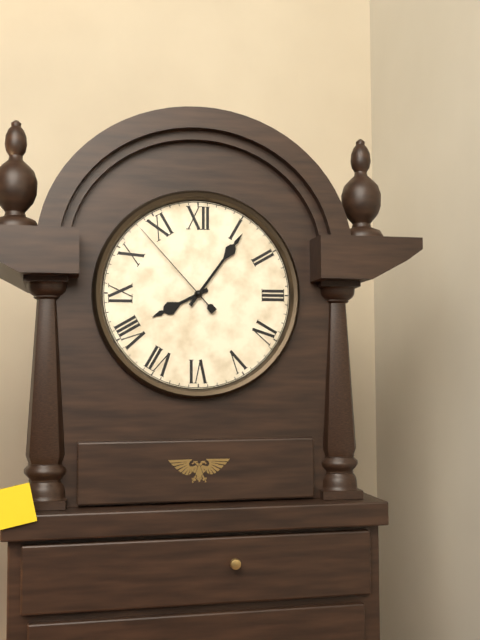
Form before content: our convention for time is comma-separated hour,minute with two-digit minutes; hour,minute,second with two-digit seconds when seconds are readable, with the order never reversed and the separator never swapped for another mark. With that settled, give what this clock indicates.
8,06,53
